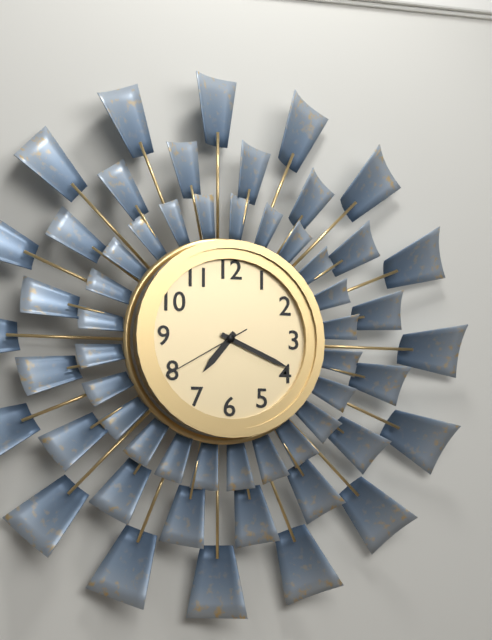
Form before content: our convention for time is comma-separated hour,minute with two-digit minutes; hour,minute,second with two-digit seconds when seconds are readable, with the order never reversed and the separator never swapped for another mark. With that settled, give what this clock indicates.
7,19,40
